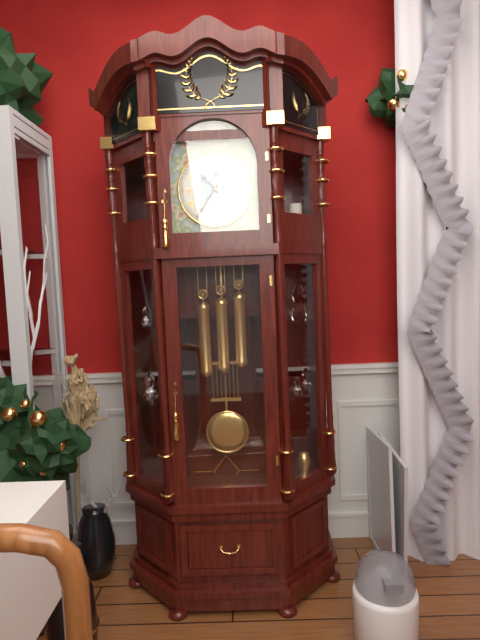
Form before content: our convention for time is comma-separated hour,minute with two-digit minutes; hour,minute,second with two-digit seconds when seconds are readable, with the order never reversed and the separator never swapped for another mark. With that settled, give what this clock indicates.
10,36
